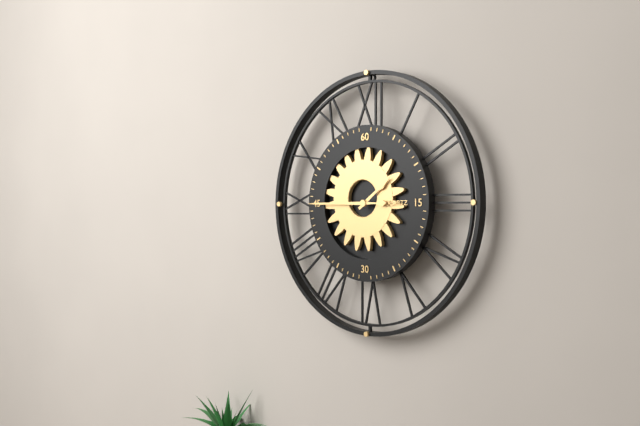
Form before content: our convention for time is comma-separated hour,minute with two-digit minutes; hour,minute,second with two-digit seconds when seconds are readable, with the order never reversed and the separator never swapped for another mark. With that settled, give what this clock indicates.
1,45
